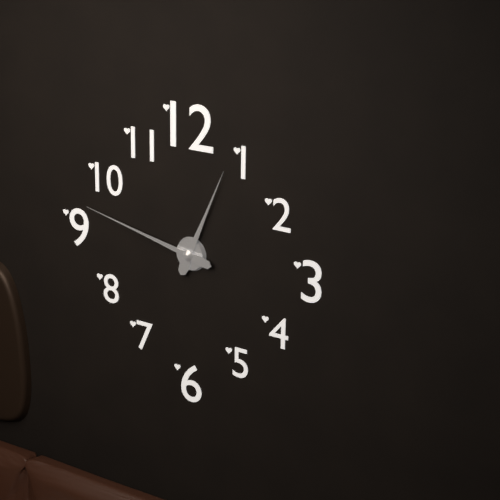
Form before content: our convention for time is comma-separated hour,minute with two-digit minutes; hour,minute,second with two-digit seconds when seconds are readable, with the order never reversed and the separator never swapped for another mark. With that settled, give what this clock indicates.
12,47
